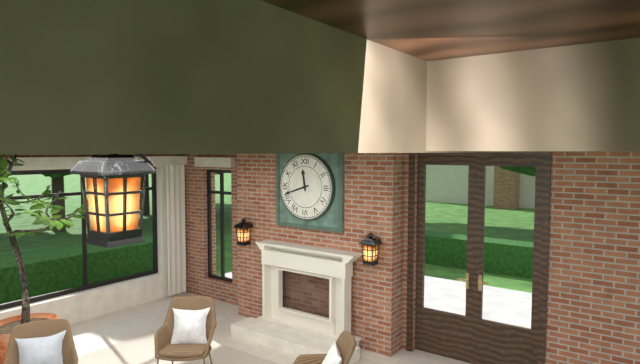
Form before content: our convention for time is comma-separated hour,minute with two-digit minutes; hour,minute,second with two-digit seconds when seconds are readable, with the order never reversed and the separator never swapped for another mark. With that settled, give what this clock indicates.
11,42
